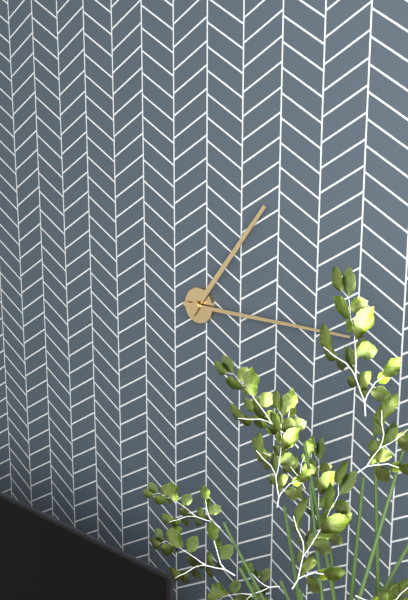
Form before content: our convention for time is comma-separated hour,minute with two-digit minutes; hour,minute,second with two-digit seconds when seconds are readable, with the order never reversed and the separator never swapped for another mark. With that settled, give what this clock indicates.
1,15
